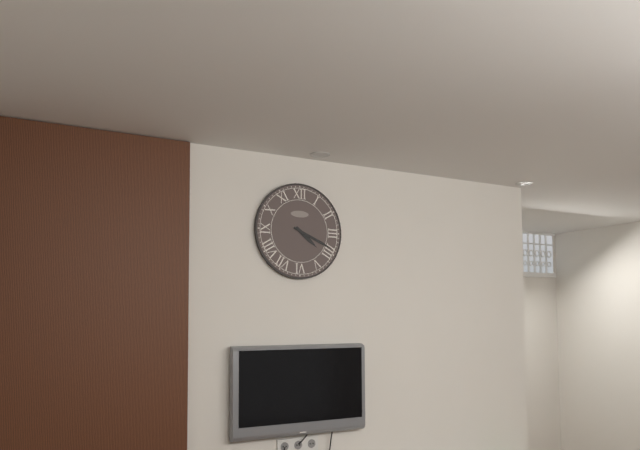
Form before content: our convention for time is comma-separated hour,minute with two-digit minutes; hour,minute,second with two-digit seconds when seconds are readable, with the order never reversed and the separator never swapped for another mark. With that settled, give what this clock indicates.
4,19
